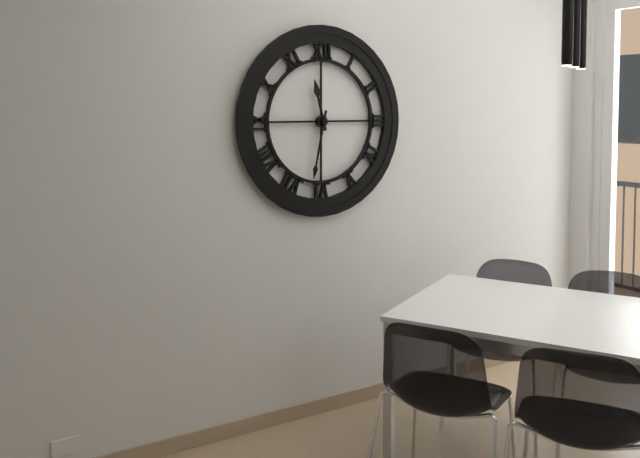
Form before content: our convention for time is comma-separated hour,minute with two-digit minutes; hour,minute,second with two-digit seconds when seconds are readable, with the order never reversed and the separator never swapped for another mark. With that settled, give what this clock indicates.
11,32
